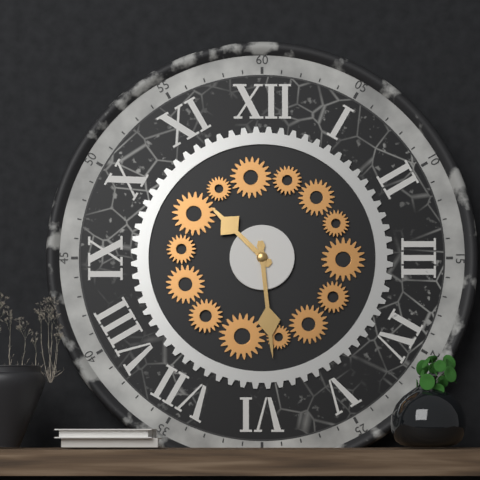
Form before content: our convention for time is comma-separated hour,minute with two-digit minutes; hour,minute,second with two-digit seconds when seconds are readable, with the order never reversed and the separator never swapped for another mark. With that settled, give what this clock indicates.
10,29
